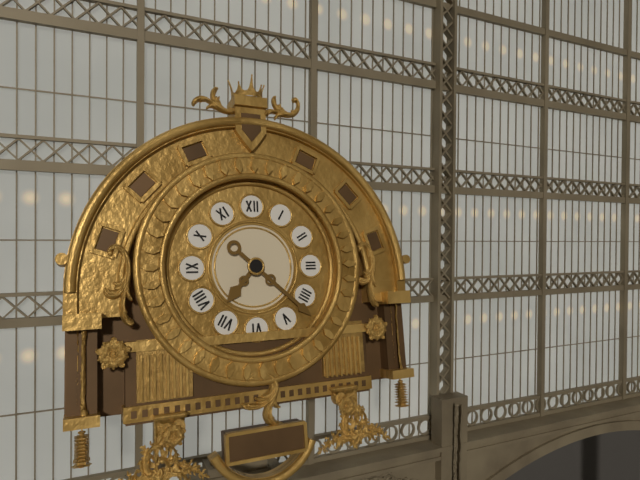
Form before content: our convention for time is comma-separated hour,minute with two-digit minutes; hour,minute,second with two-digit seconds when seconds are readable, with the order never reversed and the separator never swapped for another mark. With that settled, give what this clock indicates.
7,22
